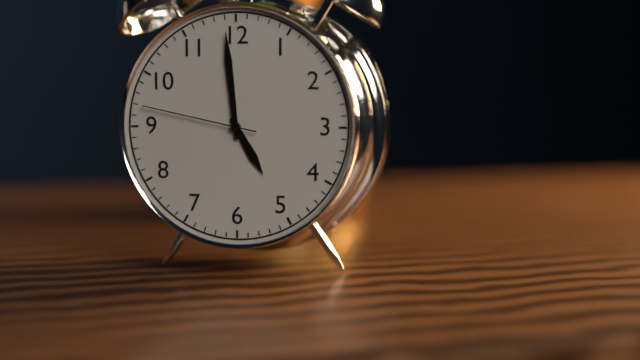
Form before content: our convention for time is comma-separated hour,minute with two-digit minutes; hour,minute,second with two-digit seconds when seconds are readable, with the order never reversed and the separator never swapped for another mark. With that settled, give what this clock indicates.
4,59,47
